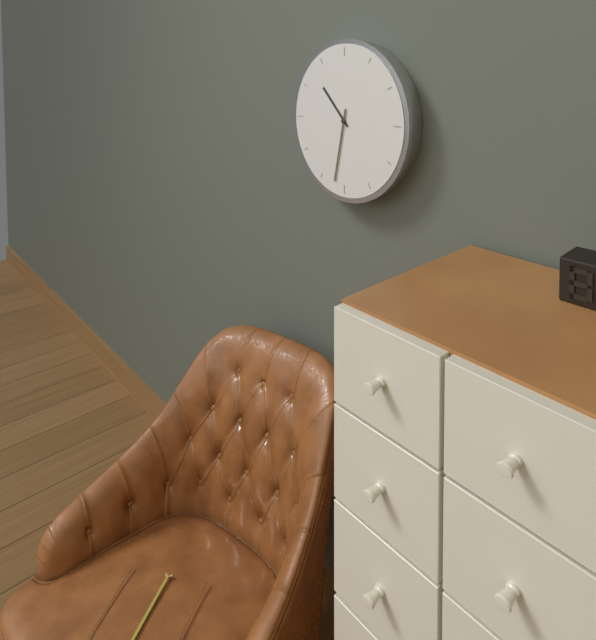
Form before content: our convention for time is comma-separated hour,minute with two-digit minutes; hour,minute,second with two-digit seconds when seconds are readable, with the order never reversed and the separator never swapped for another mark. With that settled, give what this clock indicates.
10,32
